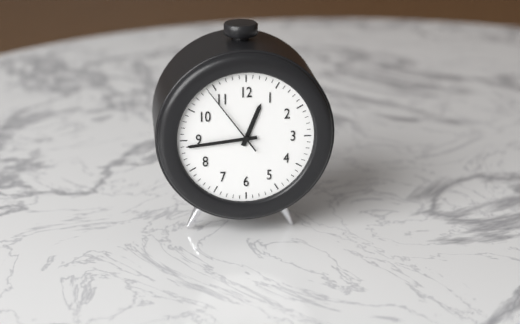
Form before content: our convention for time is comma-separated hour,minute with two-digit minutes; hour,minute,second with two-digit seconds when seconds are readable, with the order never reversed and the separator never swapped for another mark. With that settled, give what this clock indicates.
12,44,54
